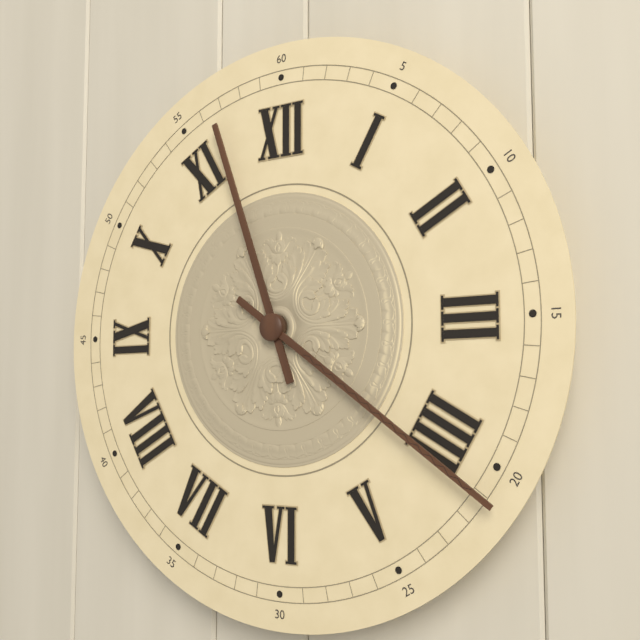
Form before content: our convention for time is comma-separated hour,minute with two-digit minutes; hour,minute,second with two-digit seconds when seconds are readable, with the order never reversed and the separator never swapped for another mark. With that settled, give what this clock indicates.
11,21
